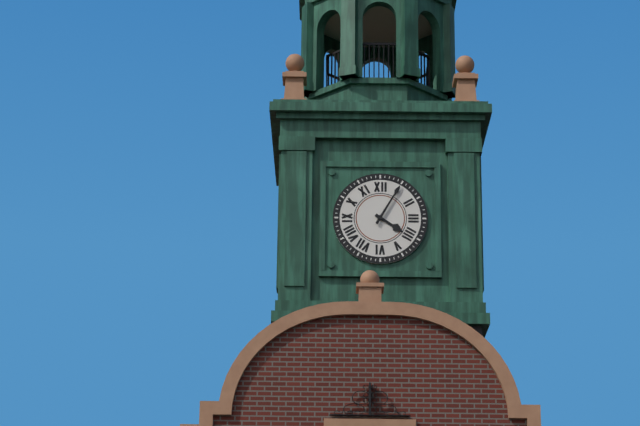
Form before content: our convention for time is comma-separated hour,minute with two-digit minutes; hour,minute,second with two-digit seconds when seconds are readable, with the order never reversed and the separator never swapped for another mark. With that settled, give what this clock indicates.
4,05
